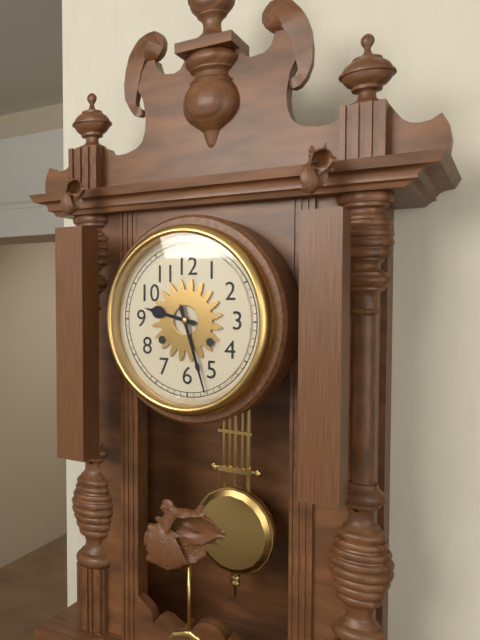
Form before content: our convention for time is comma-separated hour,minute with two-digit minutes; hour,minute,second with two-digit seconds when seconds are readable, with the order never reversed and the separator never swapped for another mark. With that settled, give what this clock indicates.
9,27
